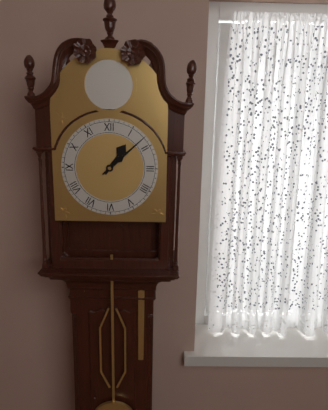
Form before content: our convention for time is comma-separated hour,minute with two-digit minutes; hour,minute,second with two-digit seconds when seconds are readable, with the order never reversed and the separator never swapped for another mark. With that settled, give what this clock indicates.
1,08
